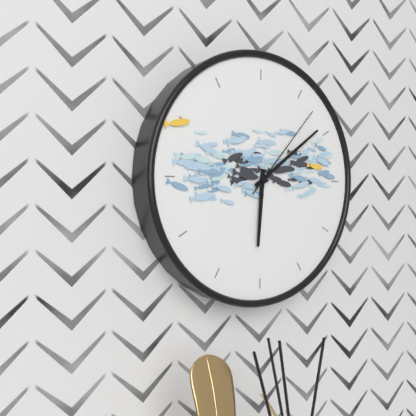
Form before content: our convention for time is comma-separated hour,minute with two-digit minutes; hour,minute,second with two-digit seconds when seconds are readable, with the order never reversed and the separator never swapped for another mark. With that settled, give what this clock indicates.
6,09,07
